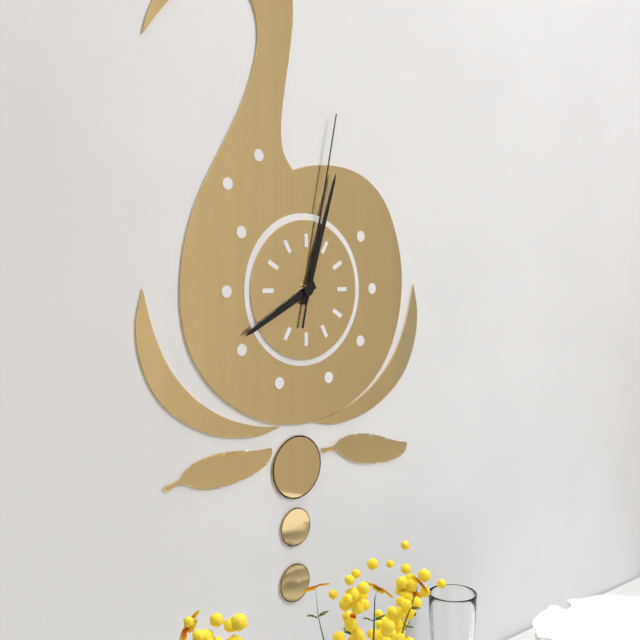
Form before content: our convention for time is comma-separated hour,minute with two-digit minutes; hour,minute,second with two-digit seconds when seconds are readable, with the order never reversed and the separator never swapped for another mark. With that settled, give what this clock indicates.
8,03,02
